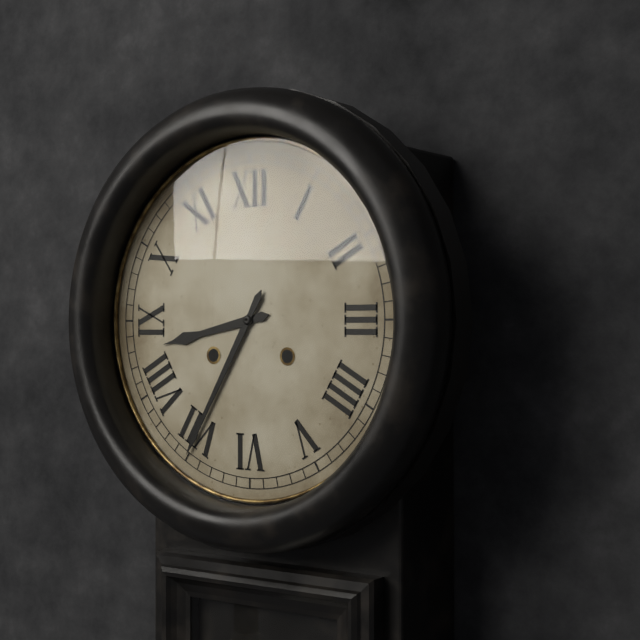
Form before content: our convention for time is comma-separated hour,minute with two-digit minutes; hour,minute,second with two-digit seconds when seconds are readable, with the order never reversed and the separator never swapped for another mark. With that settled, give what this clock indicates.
8,35
